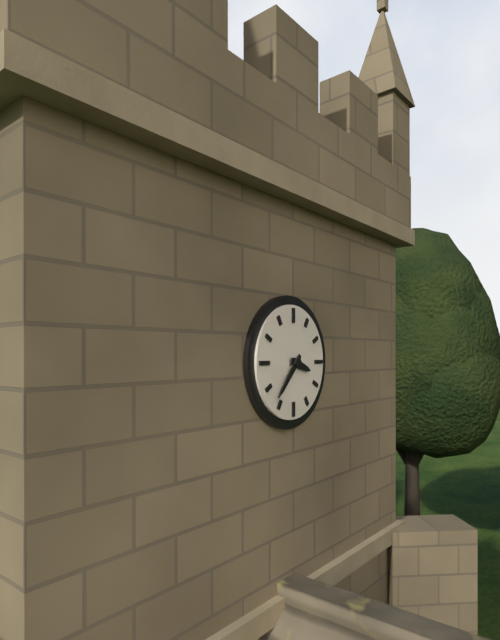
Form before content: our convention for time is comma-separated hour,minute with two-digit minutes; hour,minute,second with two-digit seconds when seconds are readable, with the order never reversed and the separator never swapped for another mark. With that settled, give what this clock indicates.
3,37
